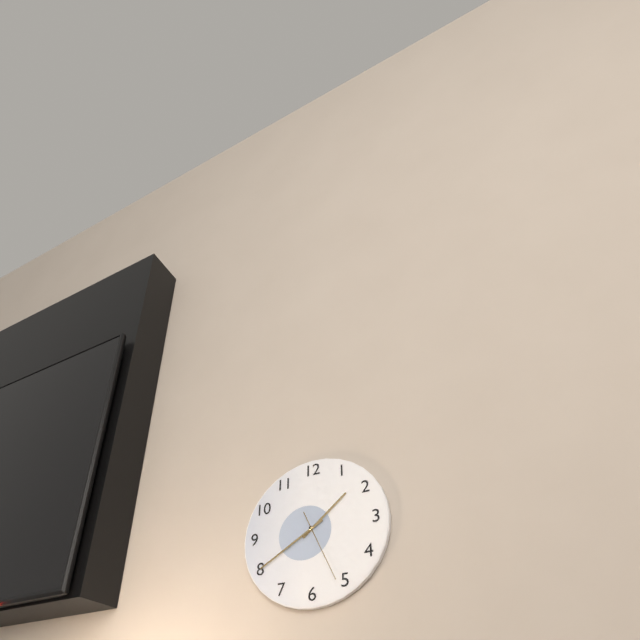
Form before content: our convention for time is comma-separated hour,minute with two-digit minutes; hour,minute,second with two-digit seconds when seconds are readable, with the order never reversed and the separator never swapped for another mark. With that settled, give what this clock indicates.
1,40,26
